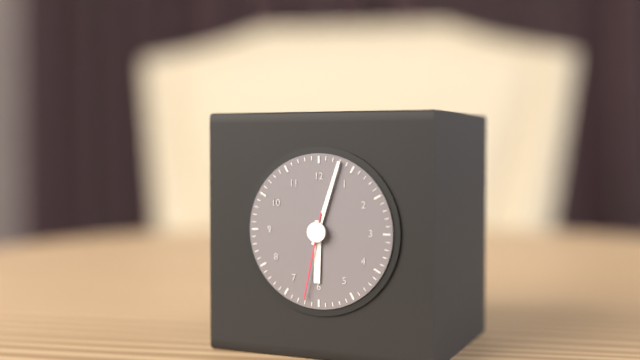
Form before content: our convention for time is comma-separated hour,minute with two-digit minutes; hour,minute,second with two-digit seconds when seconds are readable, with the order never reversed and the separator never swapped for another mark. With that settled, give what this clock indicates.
6,03,32
